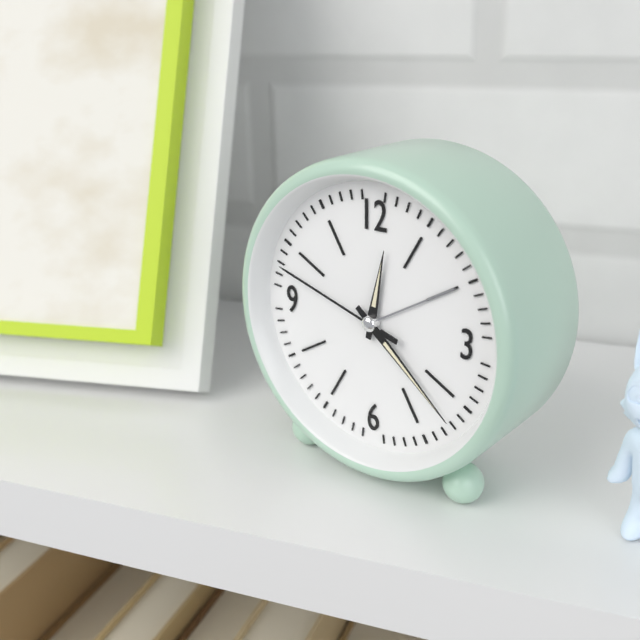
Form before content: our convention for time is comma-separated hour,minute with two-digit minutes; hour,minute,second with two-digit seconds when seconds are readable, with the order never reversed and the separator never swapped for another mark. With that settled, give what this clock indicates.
12,22,48
